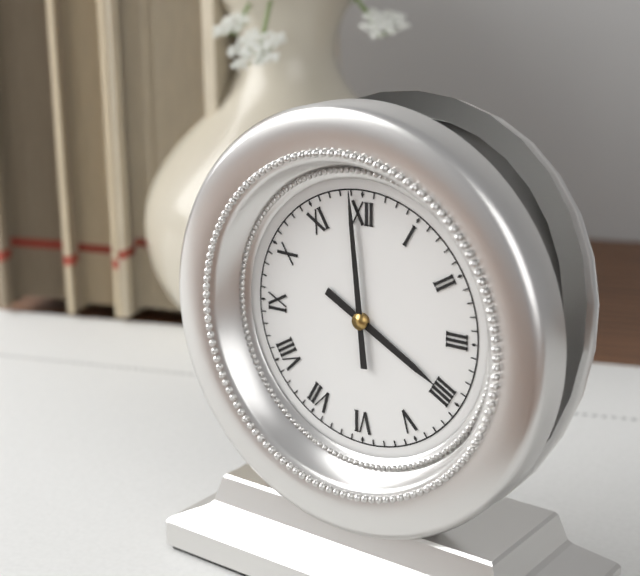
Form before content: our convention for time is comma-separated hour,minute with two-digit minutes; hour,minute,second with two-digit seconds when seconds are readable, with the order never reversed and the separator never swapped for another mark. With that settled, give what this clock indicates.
3,59
